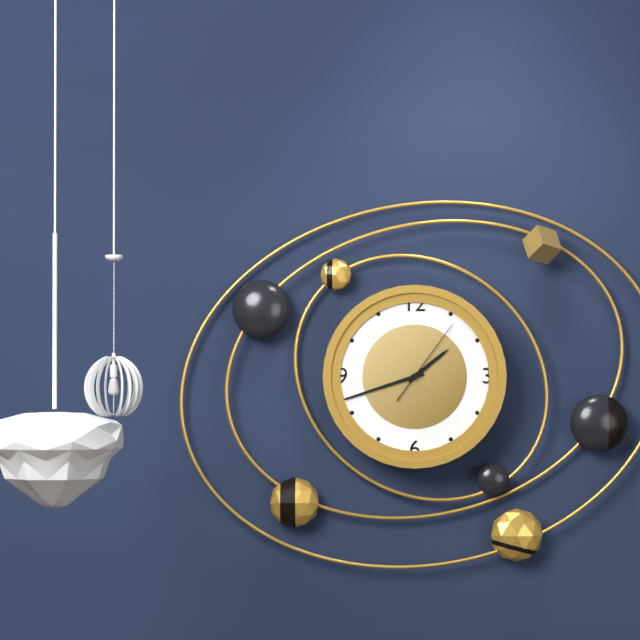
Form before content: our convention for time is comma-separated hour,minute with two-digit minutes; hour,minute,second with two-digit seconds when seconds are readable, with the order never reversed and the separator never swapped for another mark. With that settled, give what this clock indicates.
1,42,06
